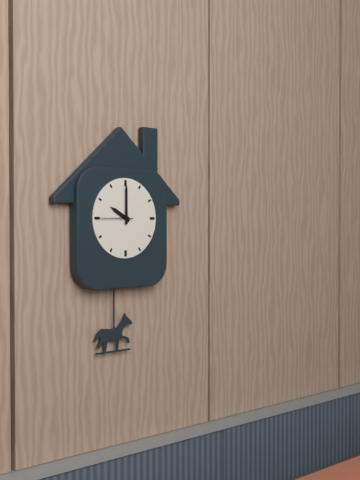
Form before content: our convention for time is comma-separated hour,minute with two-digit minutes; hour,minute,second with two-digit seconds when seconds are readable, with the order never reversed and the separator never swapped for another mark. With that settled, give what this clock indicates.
10,00
